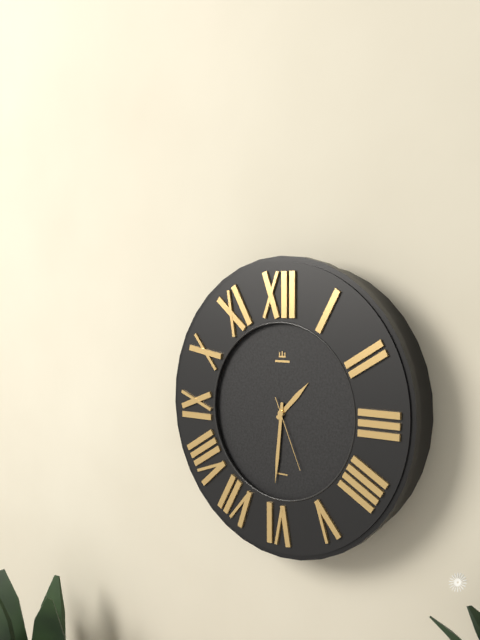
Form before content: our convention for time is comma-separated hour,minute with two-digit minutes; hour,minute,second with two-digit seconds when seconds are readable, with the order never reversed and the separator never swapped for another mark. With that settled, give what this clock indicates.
1,31,26
